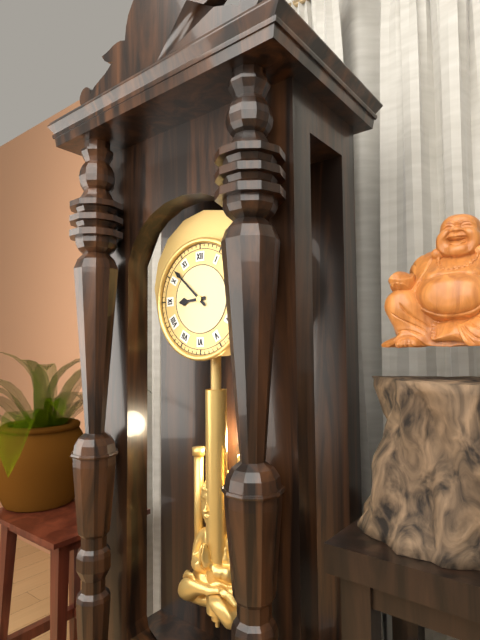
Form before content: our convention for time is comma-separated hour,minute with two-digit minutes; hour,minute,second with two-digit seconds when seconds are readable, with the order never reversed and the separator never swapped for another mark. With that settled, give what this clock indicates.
8,52
